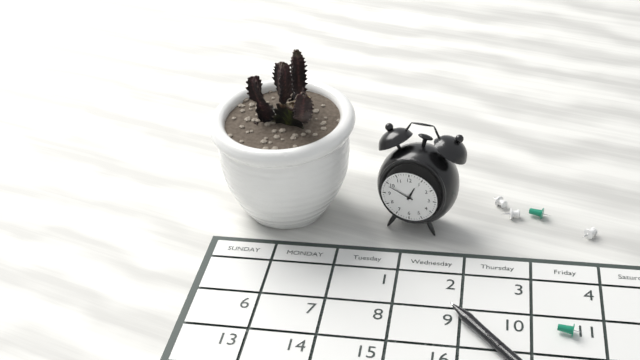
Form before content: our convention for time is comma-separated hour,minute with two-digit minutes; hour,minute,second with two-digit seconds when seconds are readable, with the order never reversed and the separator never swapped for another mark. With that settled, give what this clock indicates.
12,49
